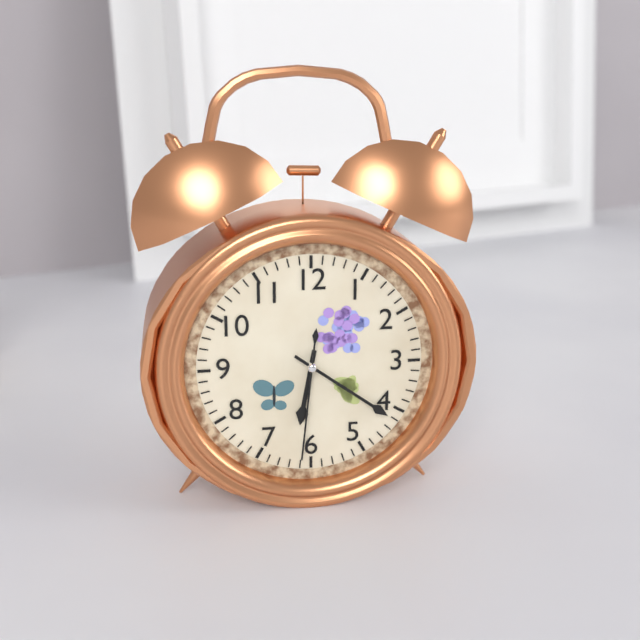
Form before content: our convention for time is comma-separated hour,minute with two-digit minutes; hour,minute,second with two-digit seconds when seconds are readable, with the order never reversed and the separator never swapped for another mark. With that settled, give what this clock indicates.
6,21,31
